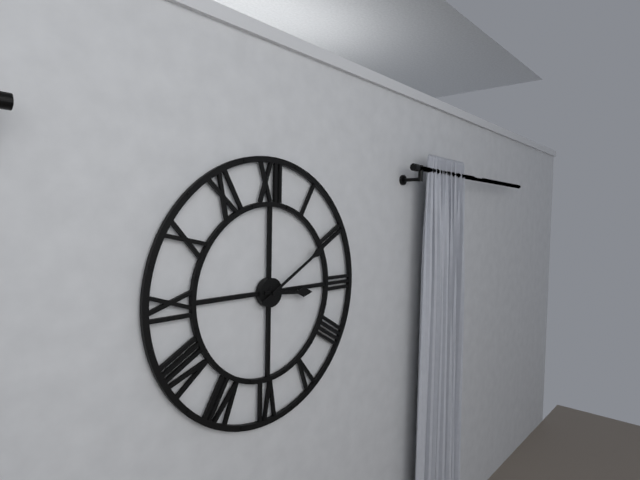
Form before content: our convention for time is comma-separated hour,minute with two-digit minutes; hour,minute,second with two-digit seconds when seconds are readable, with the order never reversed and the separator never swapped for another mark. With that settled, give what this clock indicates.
3,10
